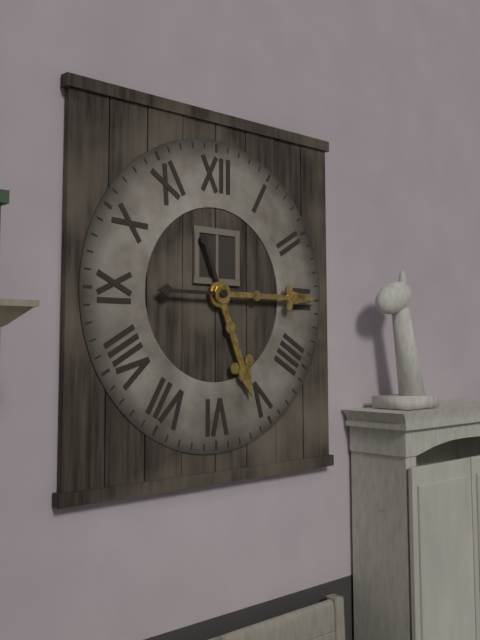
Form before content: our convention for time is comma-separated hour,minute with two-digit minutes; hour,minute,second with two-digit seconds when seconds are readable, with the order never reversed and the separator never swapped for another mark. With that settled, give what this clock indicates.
5,15
